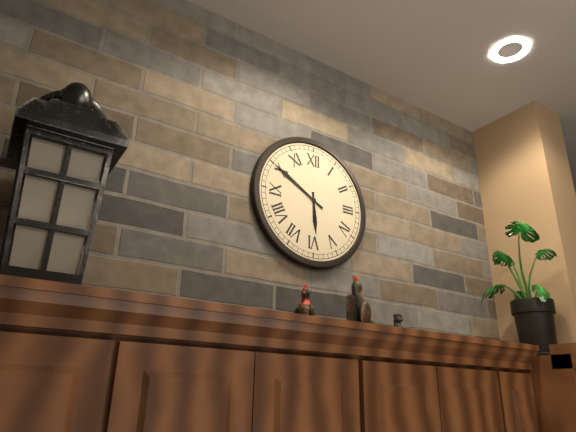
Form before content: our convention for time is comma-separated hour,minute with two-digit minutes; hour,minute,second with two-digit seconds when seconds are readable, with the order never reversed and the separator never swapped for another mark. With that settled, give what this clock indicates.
5,50
